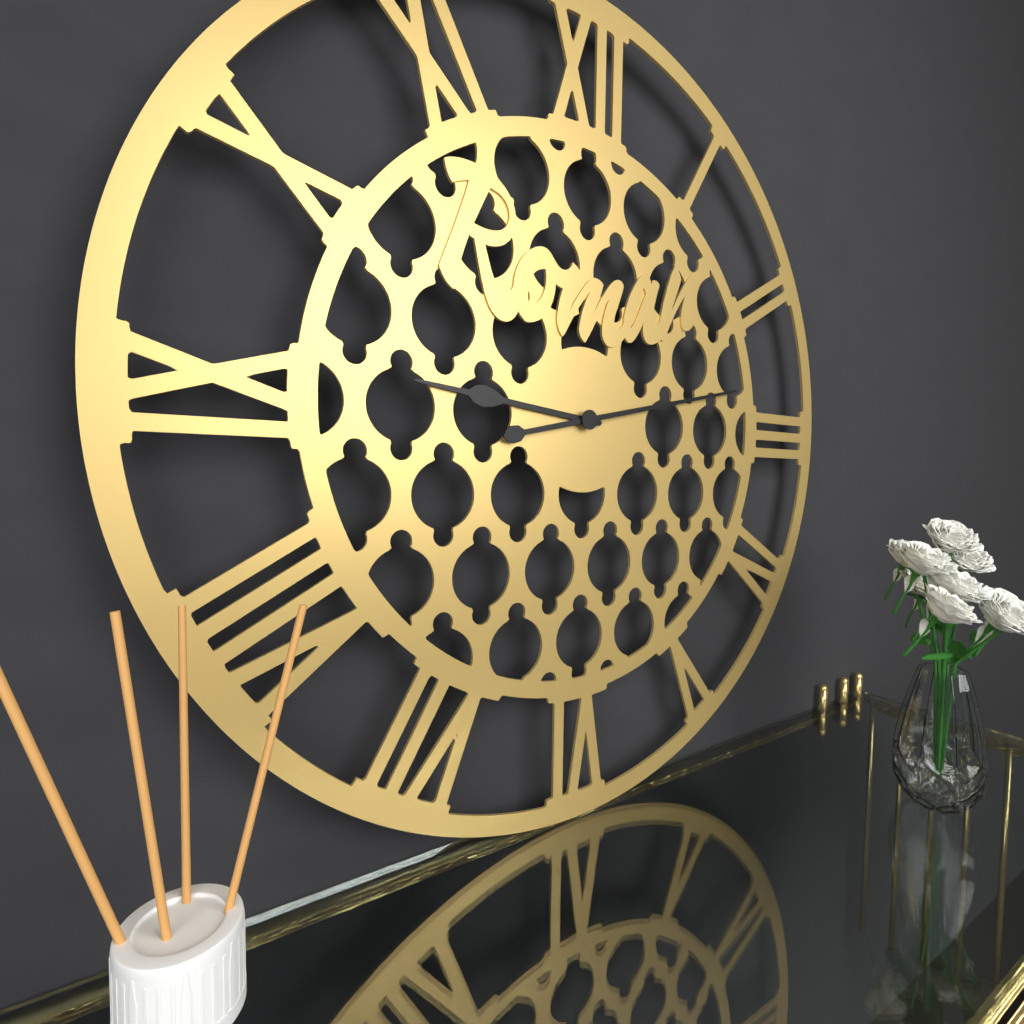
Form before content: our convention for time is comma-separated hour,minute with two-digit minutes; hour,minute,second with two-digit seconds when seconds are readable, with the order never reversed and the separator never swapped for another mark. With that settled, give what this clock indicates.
9,13
